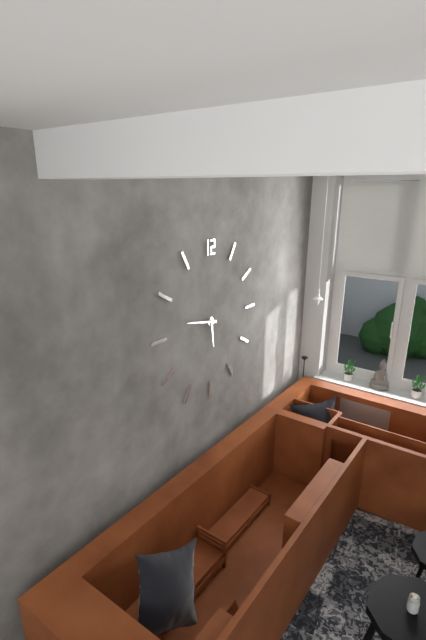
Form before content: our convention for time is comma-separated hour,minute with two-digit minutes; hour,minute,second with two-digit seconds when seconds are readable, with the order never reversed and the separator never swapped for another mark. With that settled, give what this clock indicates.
5,47
